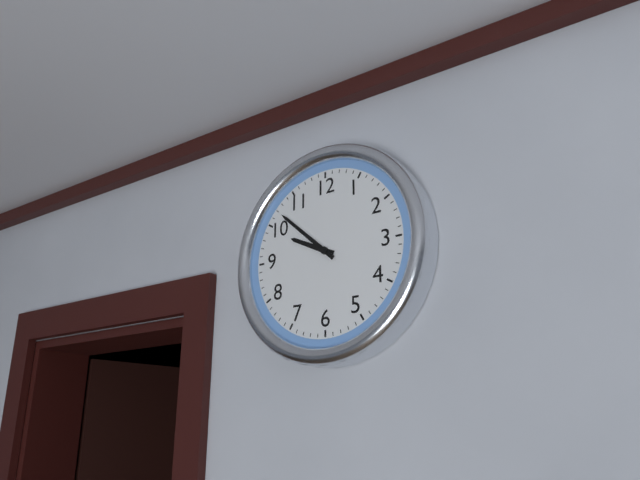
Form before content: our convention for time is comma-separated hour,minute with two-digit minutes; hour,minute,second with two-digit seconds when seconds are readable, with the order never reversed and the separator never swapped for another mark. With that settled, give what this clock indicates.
9,52
